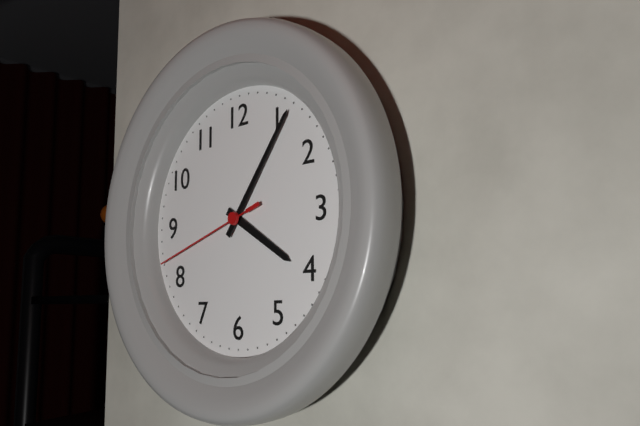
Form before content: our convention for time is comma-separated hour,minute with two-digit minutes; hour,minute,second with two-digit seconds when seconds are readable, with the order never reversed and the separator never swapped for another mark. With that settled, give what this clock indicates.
4,06,42
